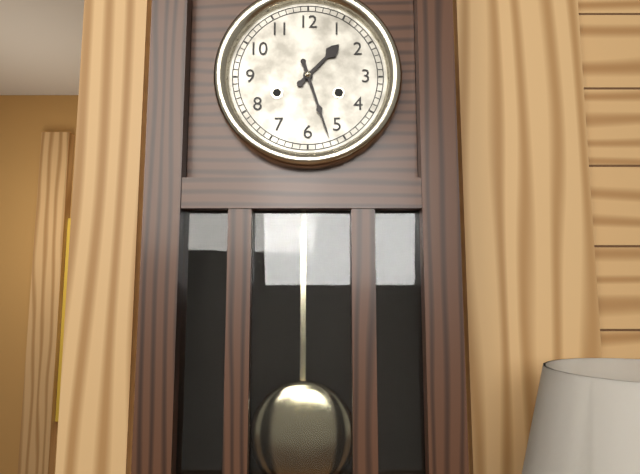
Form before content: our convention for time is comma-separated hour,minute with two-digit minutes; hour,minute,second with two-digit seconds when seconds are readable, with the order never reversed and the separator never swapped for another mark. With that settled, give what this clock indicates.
1,27
